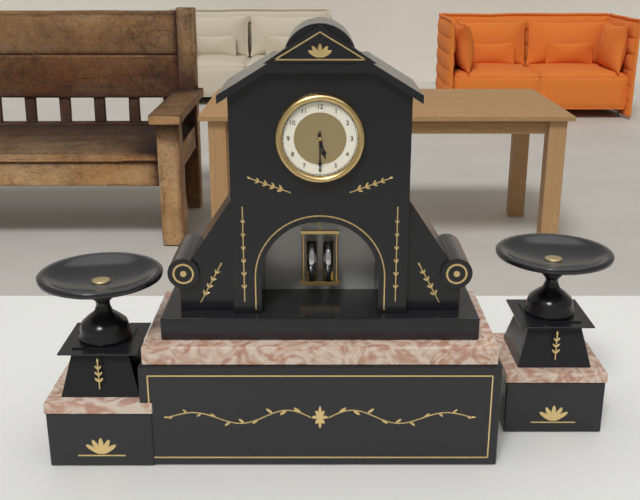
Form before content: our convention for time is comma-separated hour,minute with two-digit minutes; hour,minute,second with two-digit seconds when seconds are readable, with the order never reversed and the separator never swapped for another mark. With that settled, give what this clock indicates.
5,30
